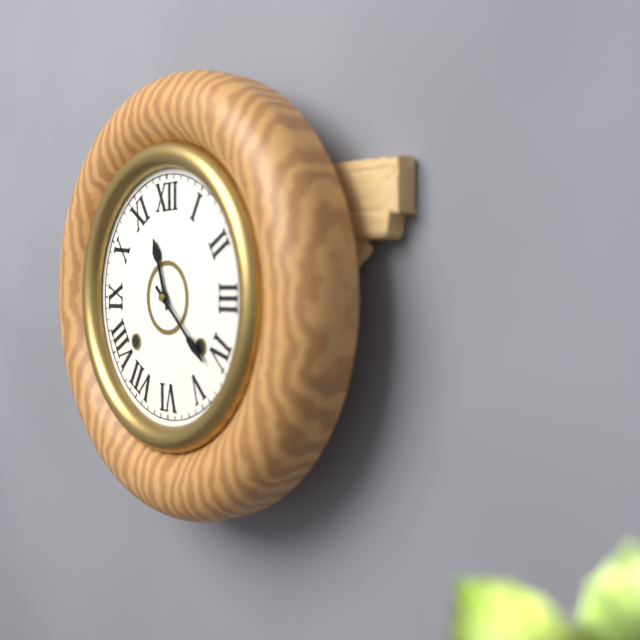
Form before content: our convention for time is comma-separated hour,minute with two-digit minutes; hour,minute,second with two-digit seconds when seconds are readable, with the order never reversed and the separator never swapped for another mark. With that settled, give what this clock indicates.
11,22
